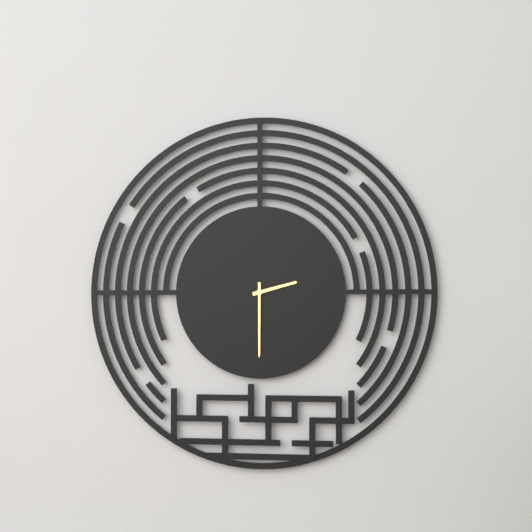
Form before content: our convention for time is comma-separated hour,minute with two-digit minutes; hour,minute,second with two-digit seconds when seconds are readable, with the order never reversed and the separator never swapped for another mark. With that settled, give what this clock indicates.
2,30
